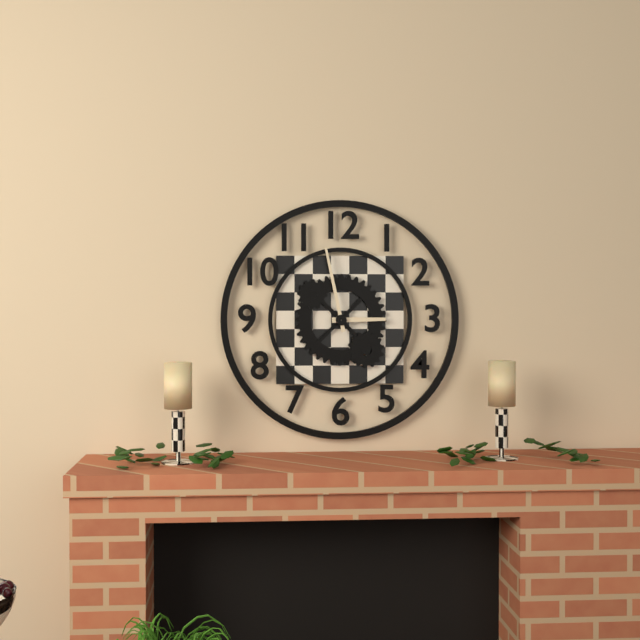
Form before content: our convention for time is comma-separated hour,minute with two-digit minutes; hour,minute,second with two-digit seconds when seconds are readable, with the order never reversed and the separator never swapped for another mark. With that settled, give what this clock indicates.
2,58
